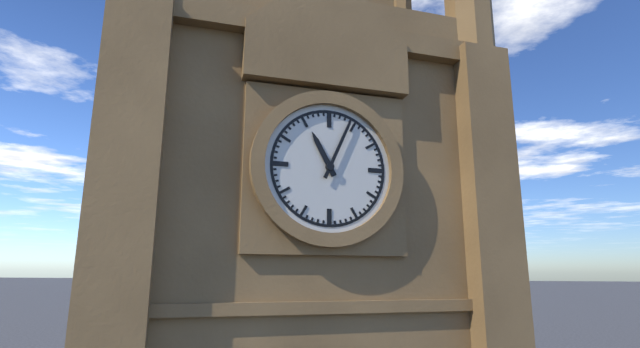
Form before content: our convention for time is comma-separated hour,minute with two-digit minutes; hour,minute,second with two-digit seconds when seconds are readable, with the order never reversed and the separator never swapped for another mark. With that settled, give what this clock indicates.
11,04
